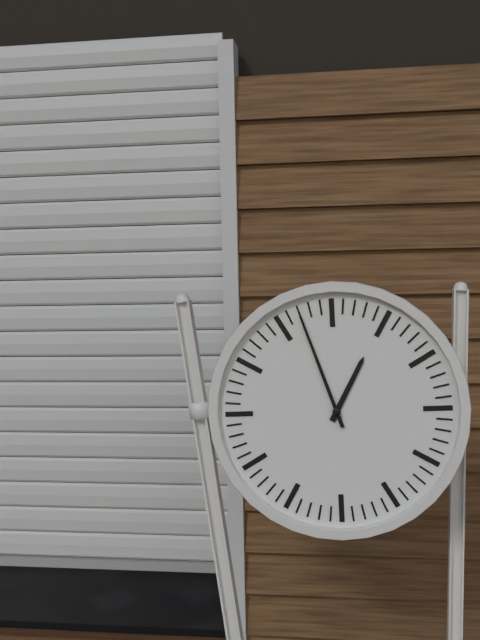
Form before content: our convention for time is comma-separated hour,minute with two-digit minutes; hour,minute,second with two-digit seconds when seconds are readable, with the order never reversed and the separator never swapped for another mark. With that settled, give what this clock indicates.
12,57
